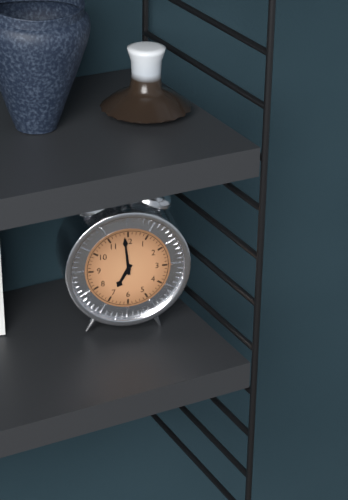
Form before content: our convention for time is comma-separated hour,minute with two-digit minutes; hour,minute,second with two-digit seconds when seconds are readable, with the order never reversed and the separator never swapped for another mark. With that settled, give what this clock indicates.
6,59
